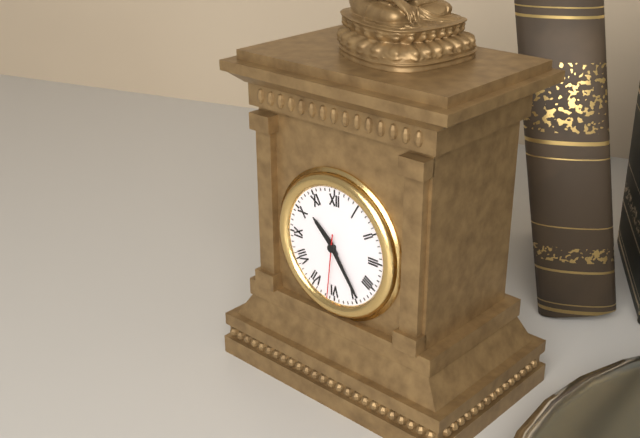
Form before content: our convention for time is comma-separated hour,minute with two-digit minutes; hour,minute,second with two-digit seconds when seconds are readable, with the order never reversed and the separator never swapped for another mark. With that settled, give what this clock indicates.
10,24,31
